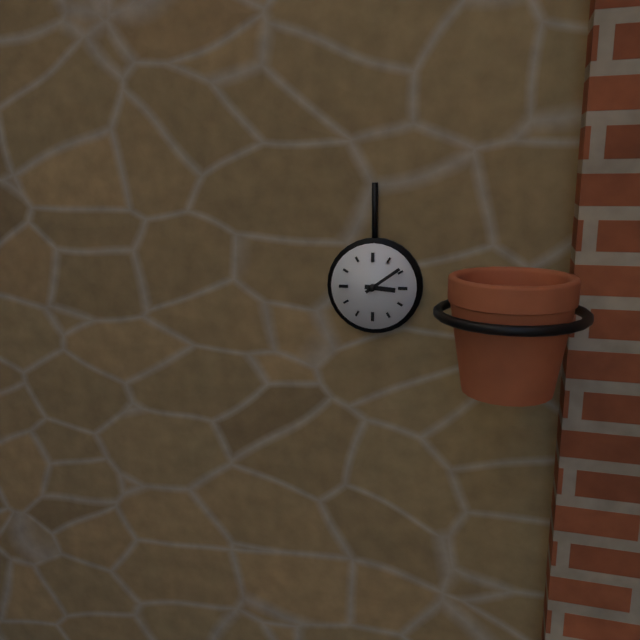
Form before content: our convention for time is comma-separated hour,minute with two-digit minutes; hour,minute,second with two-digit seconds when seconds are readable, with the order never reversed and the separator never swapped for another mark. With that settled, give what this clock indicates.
3,09
